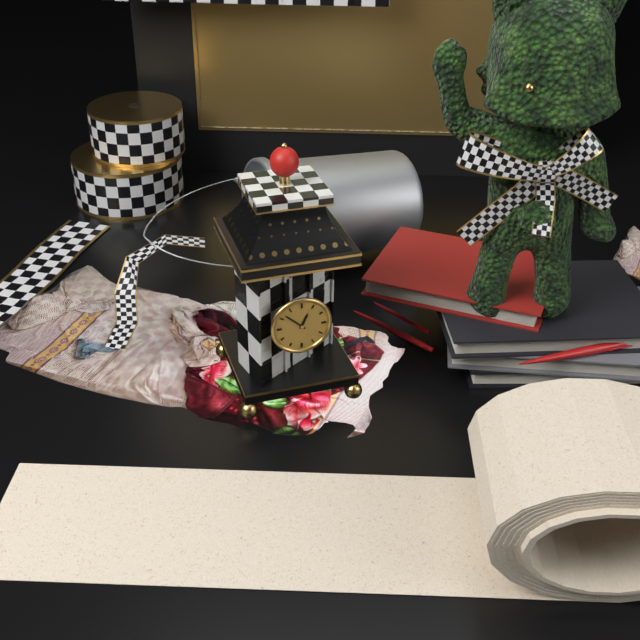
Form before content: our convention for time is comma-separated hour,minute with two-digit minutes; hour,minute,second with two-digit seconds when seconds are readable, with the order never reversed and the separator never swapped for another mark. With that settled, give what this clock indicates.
12,52
